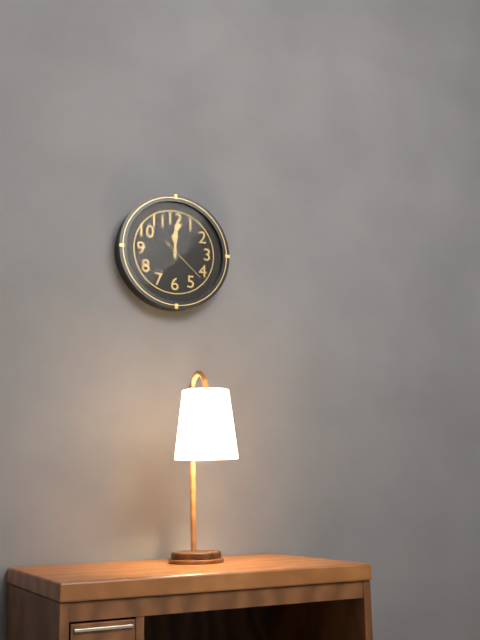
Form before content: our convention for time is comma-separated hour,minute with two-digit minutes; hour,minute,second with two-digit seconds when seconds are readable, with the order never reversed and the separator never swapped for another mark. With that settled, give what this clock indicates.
12,01
